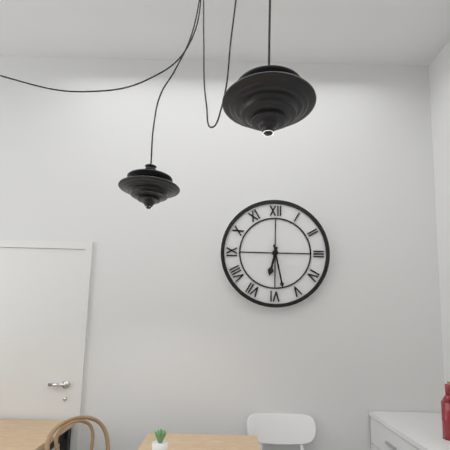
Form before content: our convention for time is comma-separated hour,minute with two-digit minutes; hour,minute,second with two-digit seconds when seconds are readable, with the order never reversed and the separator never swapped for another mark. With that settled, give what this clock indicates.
6,28
